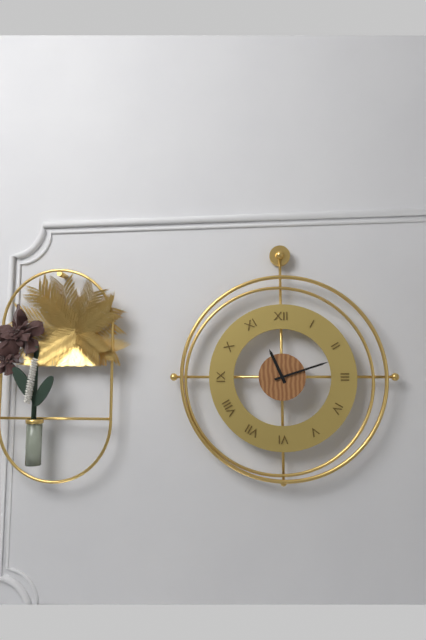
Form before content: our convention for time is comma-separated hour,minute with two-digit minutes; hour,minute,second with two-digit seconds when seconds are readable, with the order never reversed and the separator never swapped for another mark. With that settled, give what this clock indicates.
11,12
